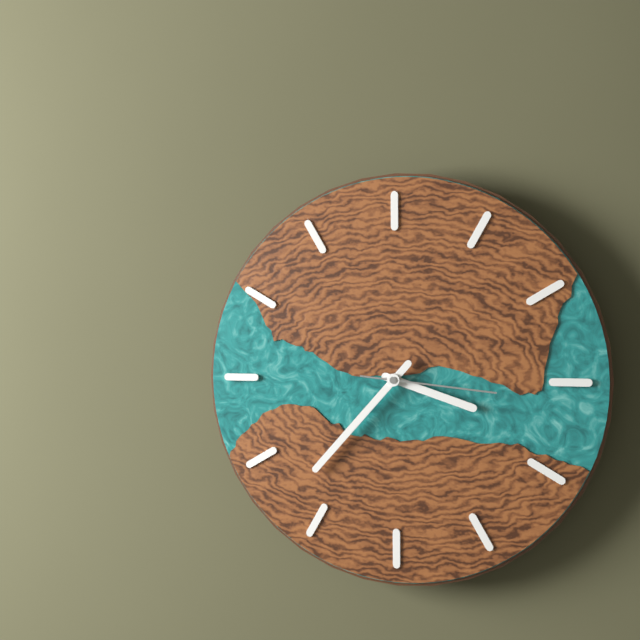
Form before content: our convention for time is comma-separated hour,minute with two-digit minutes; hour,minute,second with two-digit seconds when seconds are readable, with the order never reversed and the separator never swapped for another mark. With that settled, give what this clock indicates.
3,37,16
